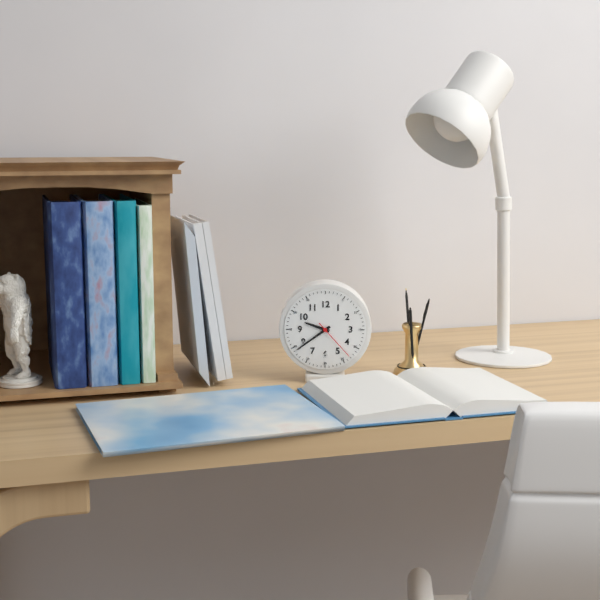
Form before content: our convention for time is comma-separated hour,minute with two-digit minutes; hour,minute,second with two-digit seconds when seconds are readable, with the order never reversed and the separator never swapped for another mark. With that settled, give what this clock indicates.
9,39
